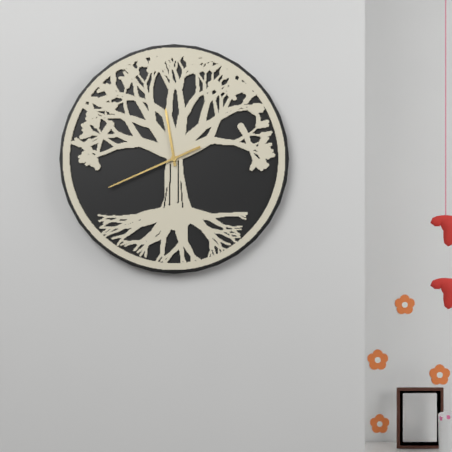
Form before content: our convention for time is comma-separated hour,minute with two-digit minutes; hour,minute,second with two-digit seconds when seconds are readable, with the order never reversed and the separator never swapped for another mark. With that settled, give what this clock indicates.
11,41
